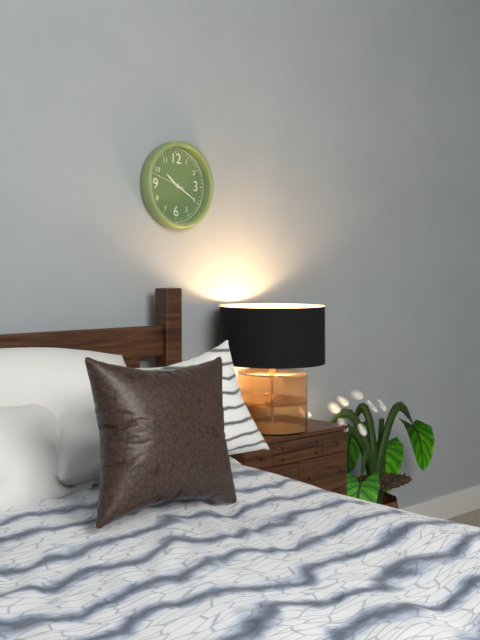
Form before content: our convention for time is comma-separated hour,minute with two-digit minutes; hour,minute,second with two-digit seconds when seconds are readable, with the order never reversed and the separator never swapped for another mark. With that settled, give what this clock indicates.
10,20
